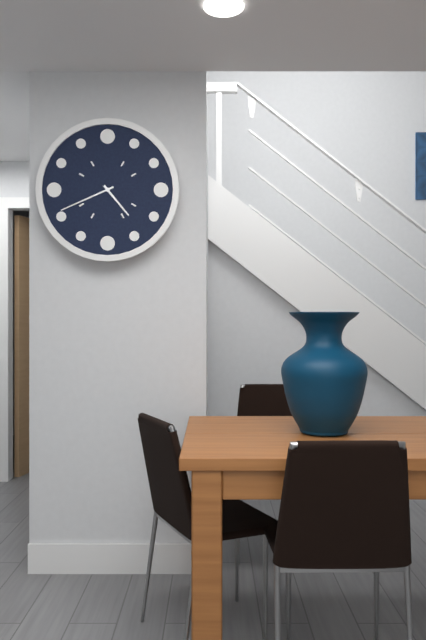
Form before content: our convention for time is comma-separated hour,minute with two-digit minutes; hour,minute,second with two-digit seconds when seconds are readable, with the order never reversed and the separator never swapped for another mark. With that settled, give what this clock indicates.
4,41
